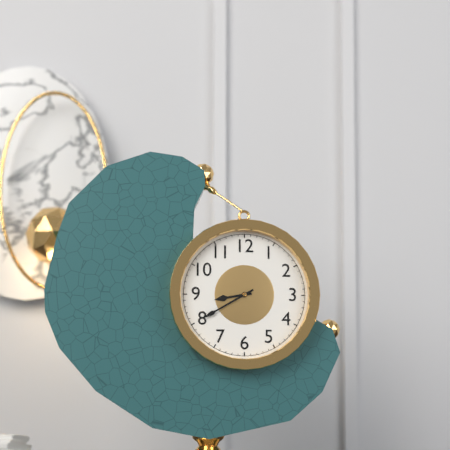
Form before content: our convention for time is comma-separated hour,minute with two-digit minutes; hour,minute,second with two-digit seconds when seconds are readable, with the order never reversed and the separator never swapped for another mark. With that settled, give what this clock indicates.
8,40
